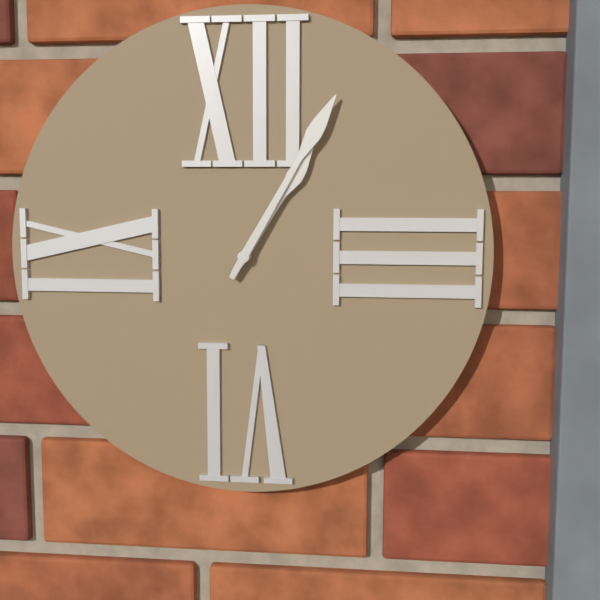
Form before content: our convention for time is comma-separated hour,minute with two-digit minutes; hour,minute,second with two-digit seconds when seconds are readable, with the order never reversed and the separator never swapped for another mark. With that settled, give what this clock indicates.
1,05
